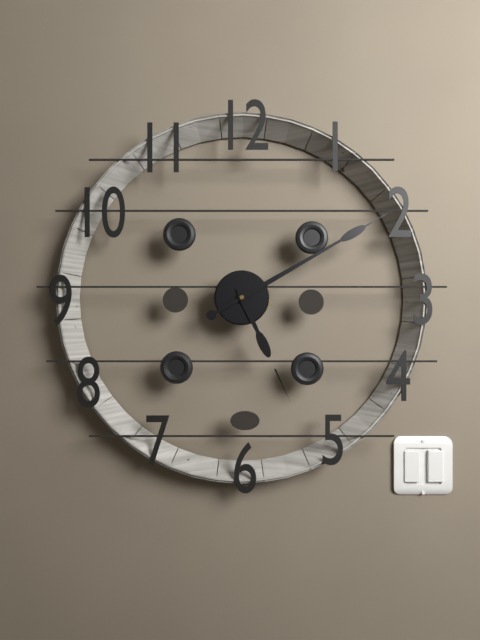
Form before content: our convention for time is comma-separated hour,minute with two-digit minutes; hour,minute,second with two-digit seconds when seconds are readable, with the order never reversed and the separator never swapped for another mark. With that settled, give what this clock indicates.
5,10
